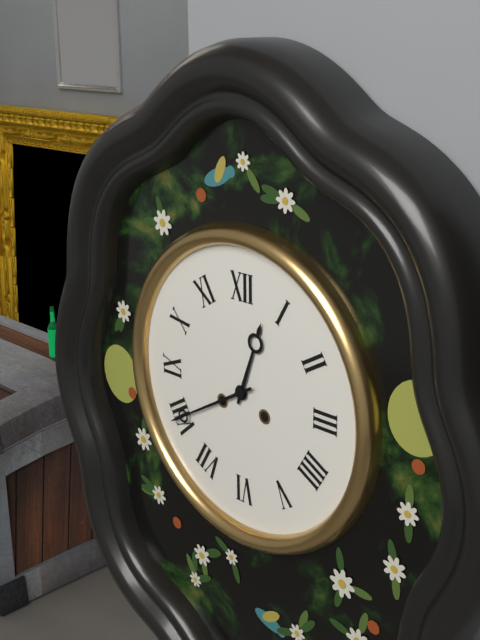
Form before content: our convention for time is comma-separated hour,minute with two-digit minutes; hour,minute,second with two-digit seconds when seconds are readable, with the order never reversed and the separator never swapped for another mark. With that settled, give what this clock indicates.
12,40
